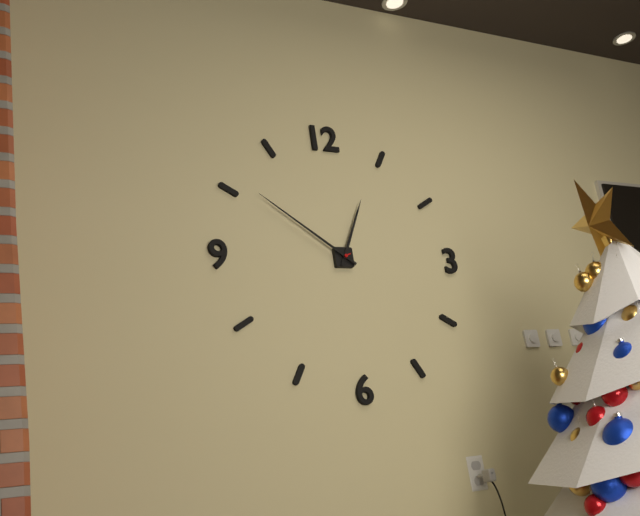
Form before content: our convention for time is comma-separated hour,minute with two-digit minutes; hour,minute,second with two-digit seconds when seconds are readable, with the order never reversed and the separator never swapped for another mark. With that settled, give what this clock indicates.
12,51
